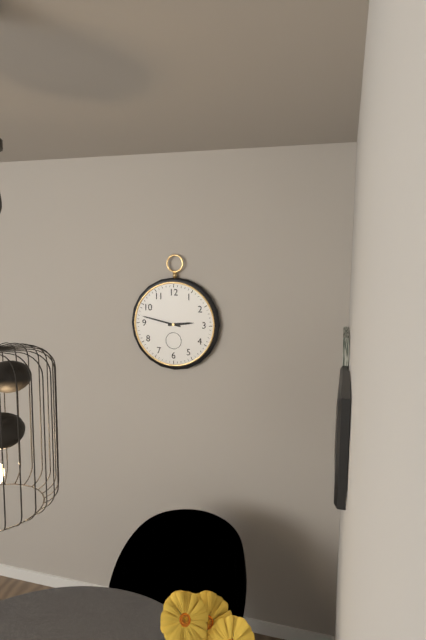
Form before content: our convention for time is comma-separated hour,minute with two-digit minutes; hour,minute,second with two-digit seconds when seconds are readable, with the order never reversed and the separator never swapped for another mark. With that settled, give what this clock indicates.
2,47
